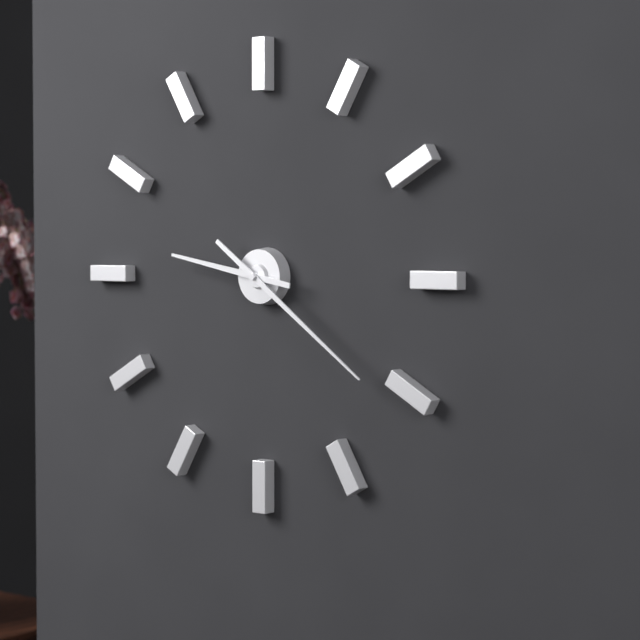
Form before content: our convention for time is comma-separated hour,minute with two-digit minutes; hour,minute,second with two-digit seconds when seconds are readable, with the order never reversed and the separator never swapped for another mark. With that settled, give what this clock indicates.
9,21
